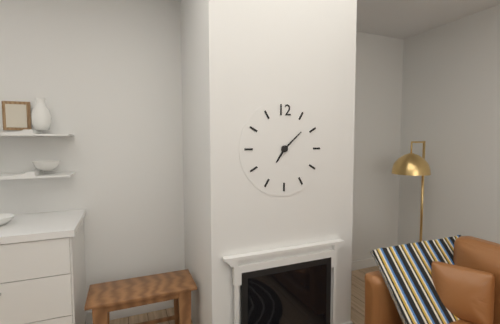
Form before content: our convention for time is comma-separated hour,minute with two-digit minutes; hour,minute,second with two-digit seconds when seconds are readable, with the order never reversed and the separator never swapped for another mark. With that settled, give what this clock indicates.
7,08
